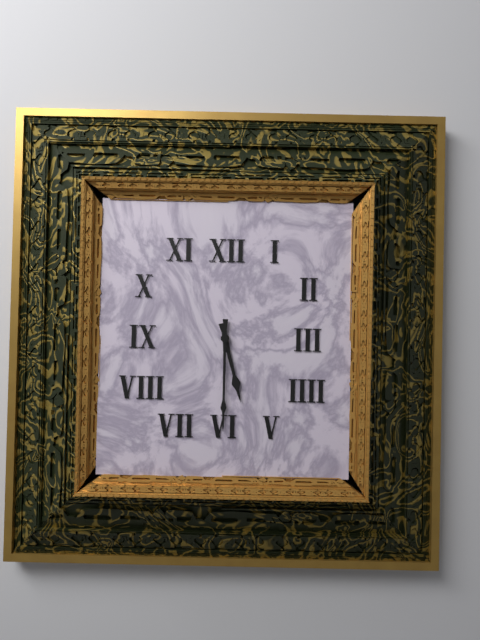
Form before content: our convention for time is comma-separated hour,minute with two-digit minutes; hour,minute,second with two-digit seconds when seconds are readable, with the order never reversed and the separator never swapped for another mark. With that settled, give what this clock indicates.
5,30
